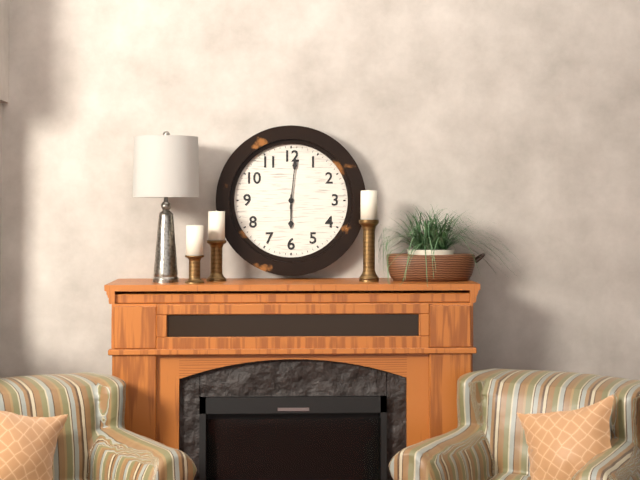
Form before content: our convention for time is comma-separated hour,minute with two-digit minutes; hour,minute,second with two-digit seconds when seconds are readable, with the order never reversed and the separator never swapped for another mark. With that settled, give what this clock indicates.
6,01
